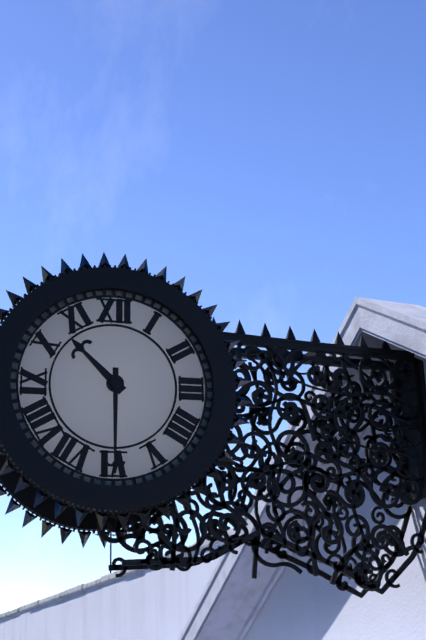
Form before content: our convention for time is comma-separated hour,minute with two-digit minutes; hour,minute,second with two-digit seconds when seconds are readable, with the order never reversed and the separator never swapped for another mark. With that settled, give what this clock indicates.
10,30
